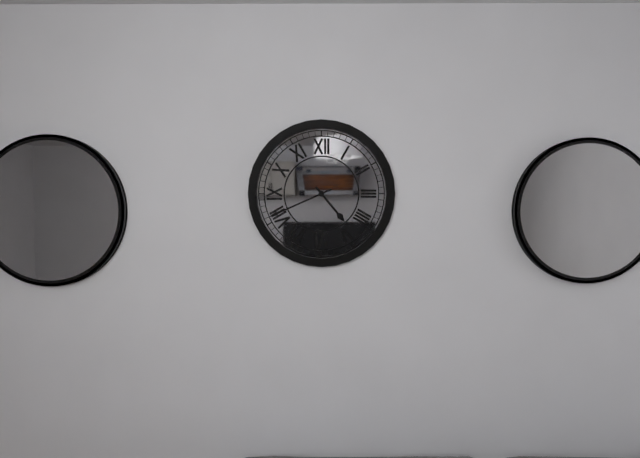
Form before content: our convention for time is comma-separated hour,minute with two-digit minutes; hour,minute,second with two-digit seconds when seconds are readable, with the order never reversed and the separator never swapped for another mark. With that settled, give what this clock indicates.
4,41
